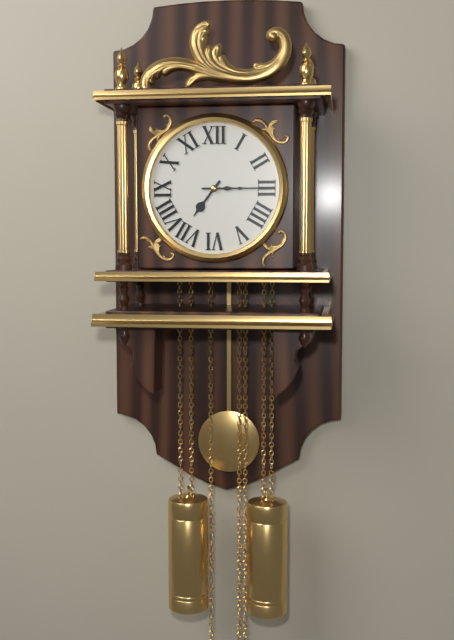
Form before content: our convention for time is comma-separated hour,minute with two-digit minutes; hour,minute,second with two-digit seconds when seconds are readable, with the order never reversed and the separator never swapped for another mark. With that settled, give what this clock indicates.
7,15
